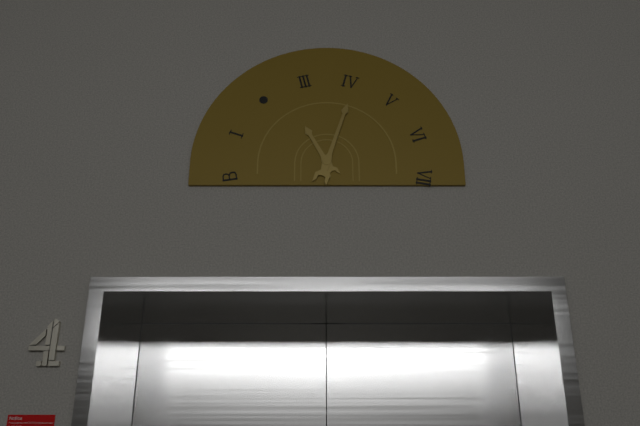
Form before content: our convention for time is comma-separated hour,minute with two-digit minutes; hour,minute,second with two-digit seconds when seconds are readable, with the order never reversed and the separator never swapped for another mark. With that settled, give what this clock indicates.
11,03
